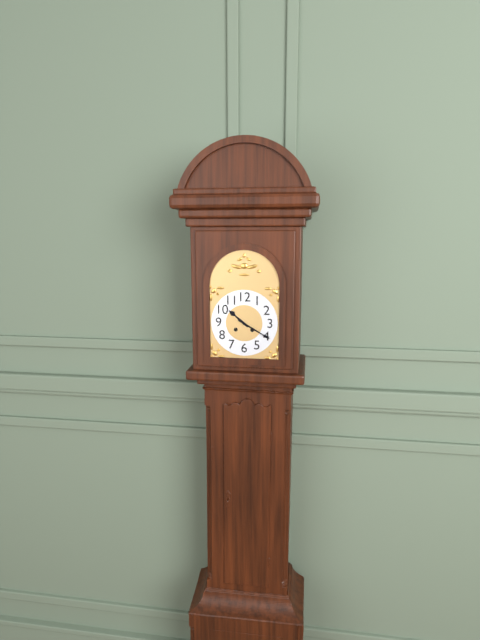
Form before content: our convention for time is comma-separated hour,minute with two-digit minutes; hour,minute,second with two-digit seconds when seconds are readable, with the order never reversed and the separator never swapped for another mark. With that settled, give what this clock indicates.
10,20
